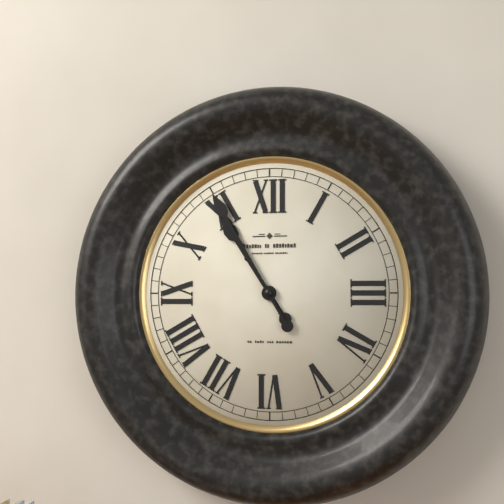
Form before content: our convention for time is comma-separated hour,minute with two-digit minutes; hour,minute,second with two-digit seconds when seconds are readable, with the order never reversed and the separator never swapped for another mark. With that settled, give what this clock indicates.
10,55
